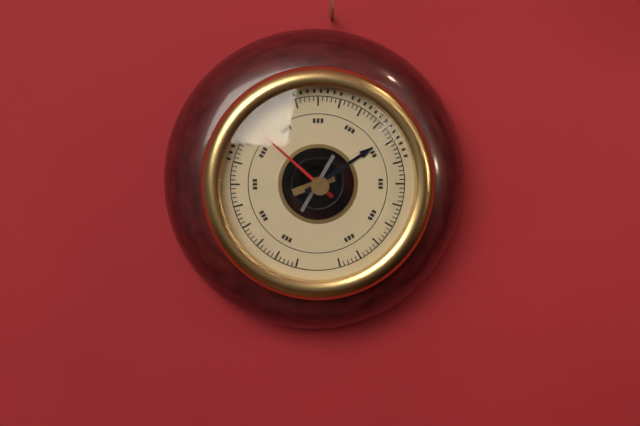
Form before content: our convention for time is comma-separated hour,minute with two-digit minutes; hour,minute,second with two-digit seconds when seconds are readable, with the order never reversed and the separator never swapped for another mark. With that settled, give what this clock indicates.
1,52
